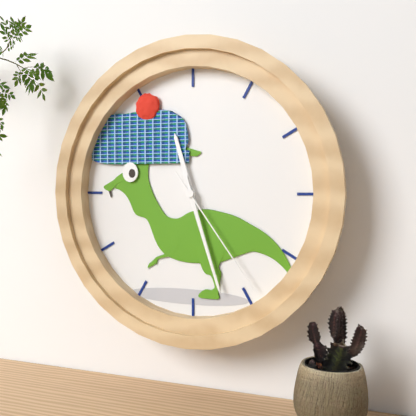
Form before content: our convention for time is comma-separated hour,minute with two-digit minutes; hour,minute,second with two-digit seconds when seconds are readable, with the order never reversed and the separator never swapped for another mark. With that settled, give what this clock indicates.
11,27,24
